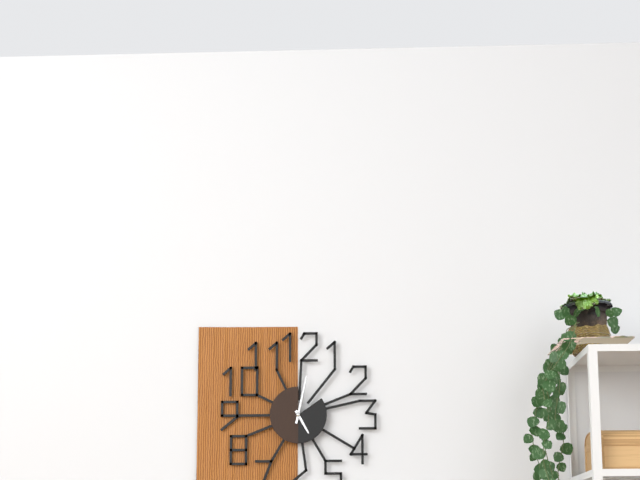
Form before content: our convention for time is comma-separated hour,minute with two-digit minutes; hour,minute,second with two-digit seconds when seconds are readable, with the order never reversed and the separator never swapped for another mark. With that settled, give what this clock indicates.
5,02
